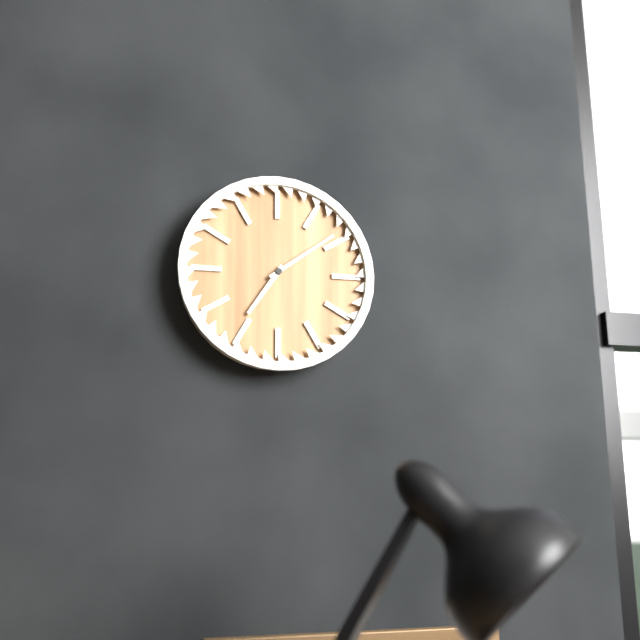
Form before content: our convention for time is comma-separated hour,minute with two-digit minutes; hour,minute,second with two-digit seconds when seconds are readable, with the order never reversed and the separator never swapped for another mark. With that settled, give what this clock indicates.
7,09
